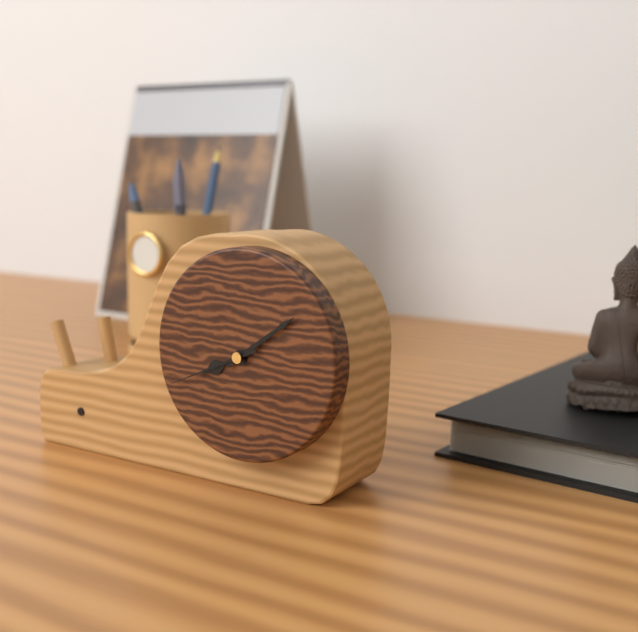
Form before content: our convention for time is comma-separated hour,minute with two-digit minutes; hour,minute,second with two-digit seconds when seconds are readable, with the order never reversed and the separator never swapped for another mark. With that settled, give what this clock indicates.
8,09,41
